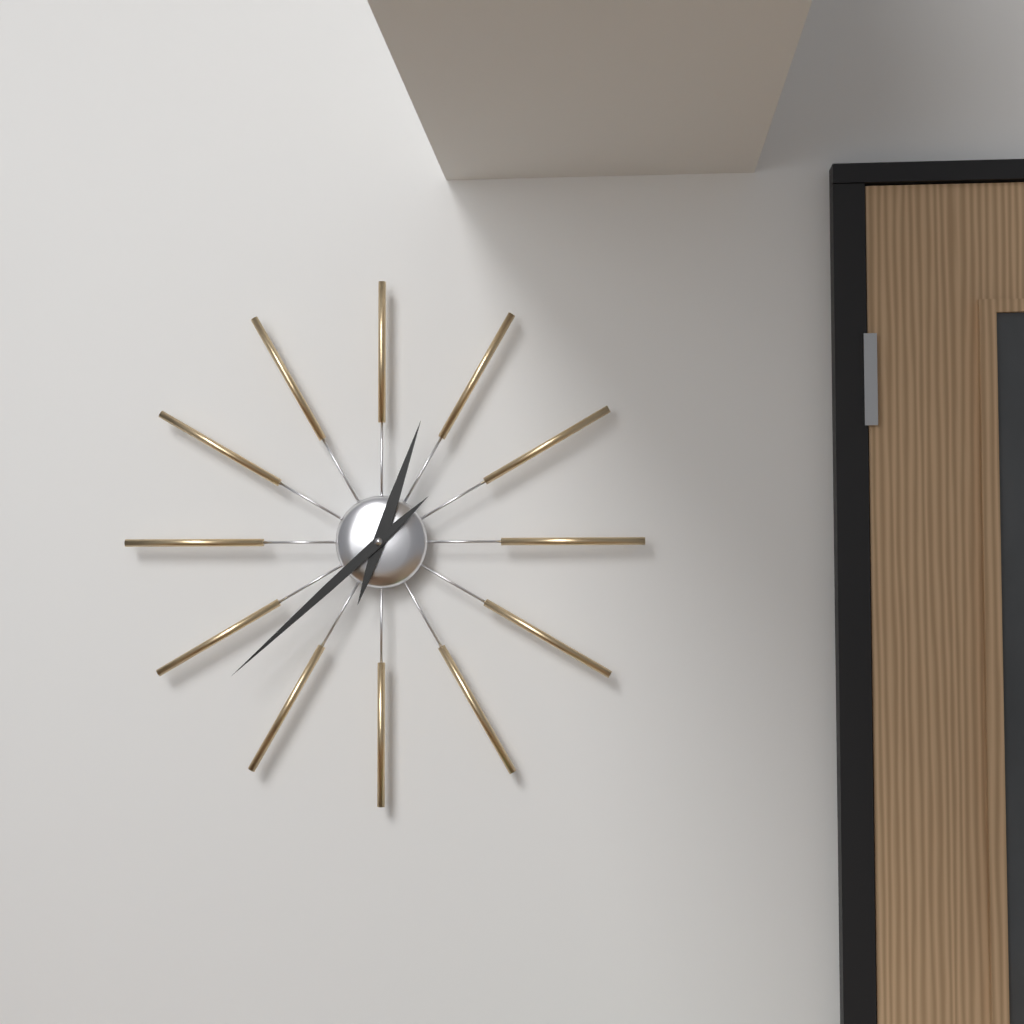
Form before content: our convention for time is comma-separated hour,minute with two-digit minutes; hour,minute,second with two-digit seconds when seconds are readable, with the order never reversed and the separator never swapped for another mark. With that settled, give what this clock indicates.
12,38
